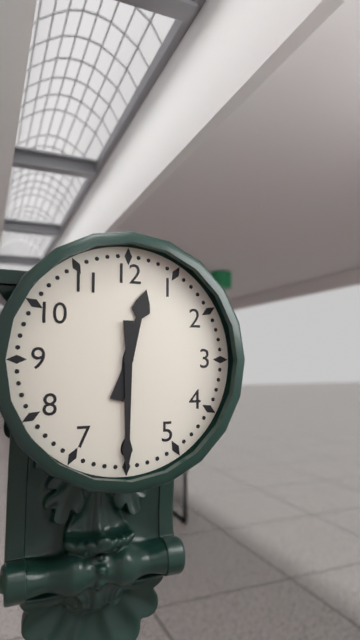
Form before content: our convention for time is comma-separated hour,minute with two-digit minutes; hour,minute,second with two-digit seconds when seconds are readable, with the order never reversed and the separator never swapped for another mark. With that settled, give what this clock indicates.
12,30
